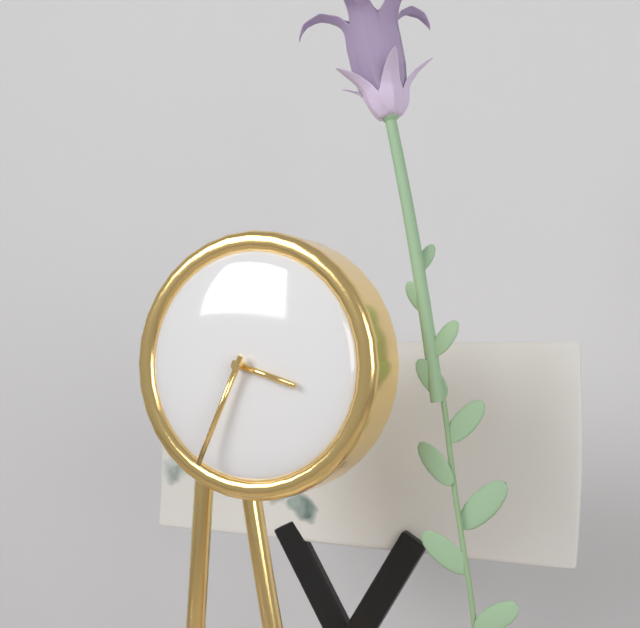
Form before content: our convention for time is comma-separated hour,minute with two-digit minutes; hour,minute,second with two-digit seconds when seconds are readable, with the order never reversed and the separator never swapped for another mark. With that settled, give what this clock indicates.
3,34
